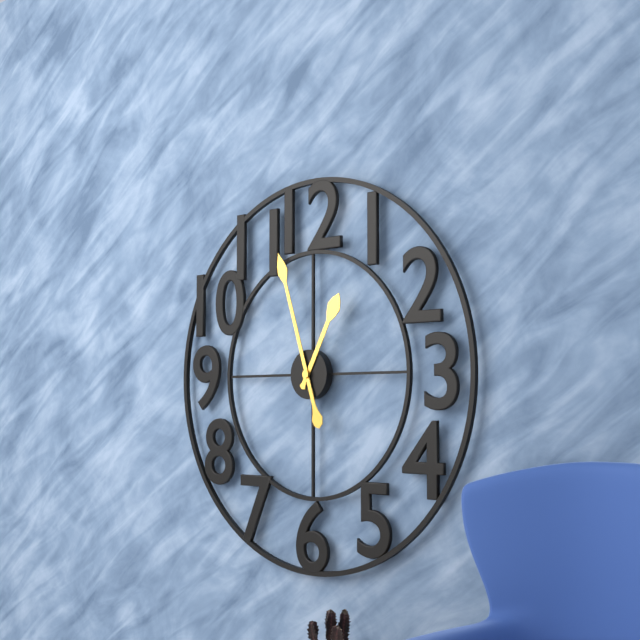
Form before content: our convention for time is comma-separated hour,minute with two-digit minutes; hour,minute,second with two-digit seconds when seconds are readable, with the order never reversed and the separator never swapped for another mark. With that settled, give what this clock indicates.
12,57
